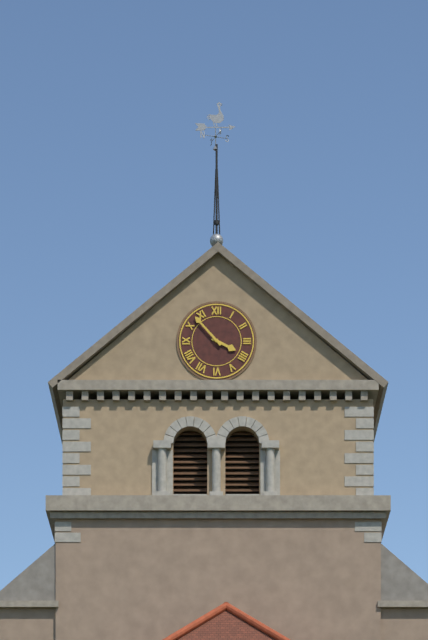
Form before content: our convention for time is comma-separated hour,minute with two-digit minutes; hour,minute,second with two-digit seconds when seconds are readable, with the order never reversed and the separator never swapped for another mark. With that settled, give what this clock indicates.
3,53
